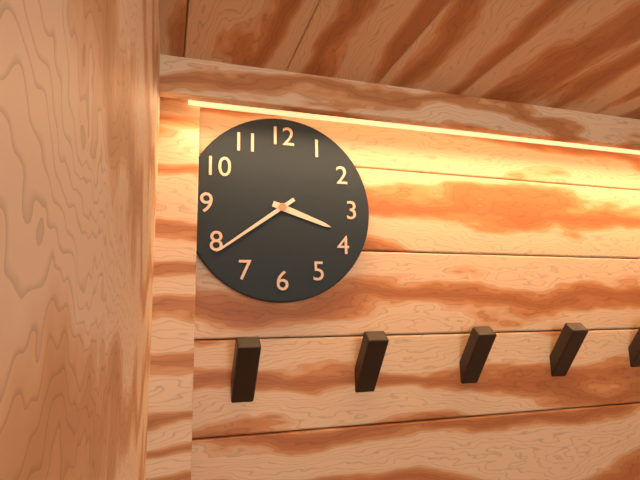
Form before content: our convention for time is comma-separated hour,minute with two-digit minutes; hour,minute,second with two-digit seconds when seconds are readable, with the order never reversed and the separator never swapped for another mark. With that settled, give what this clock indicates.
3,39
